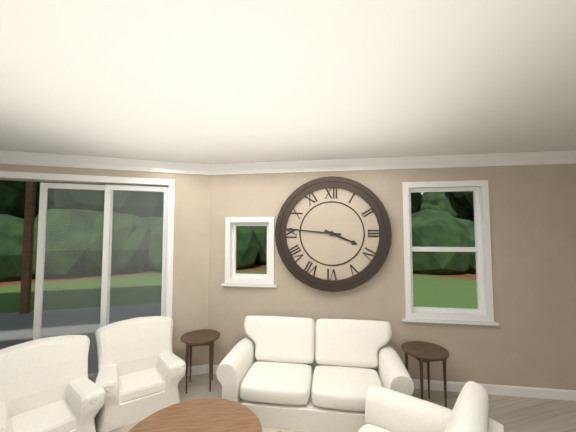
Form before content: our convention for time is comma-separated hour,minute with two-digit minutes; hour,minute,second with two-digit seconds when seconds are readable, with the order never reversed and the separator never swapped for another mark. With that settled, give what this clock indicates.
3,46
